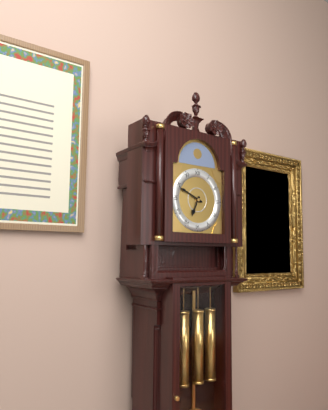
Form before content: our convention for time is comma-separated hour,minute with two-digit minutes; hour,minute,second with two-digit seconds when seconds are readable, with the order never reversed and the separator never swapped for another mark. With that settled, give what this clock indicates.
6,49
